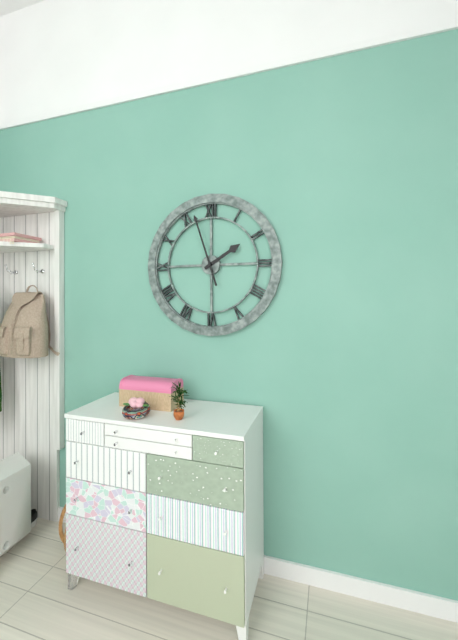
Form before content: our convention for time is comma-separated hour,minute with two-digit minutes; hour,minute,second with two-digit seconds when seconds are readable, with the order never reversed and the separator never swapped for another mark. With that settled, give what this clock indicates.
1,57
